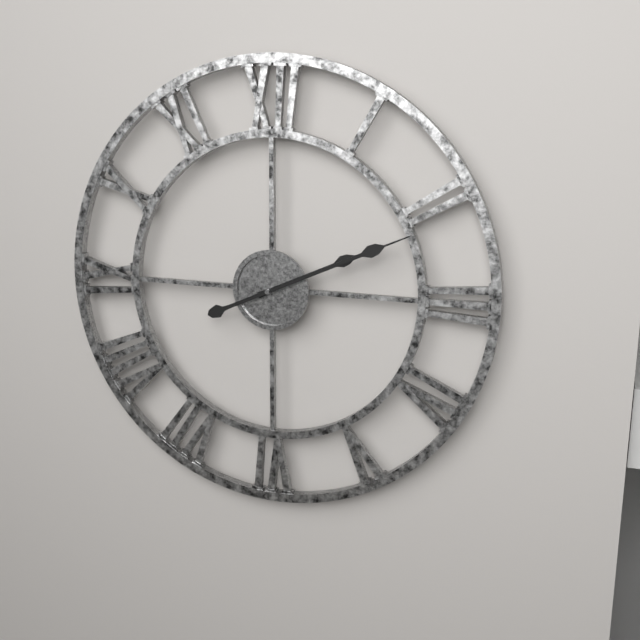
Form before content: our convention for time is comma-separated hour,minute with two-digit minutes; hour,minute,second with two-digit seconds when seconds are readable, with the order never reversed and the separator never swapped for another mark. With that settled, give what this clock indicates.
2,11
